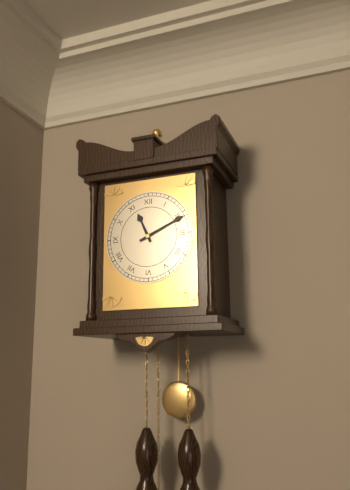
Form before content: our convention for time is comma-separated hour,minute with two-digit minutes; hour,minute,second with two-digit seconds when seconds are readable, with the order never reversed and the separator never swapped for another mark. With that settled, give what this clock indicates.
11,11
